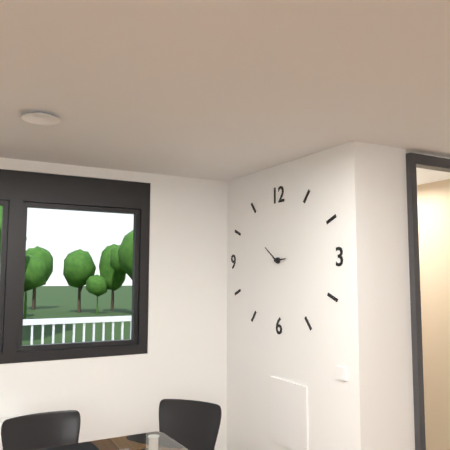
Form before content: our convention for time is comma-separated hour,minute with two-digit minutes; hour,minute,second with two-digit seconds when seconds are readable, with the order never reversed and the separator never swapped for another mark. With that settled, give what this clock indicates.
2,51
